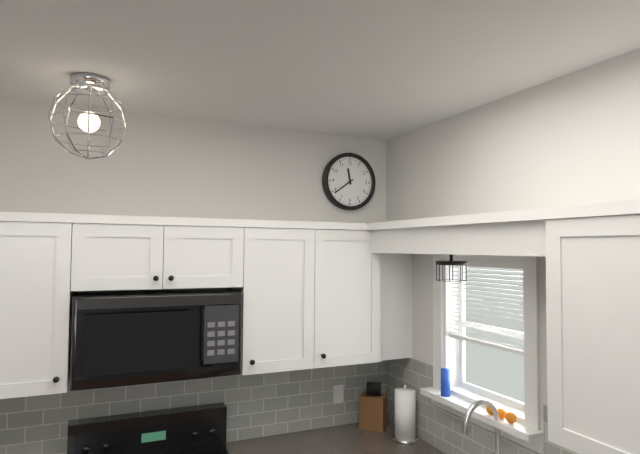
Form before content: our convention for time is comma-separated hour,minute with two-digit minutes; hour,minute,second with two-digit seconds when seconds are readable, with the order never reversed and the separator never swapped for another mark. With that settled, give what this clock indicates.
11,39
